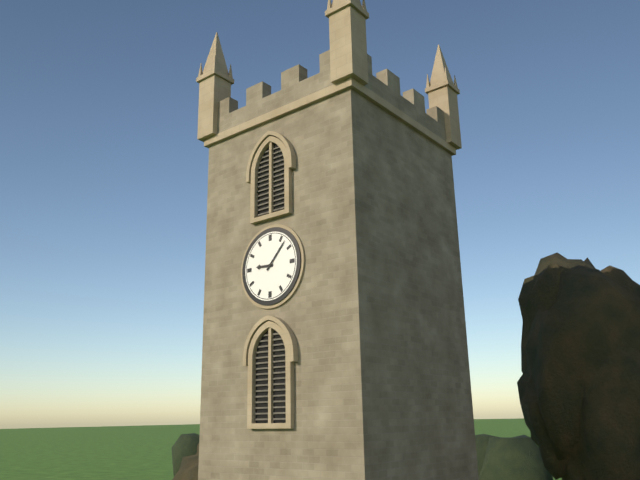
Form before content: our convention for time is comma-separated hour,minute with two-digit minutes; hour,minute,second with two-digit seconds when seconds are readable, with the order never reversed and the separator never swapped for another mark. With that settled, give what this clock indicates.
9,07
